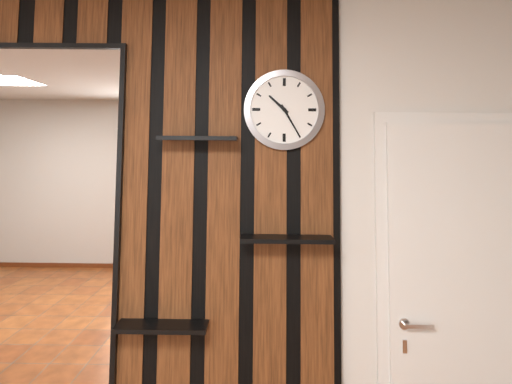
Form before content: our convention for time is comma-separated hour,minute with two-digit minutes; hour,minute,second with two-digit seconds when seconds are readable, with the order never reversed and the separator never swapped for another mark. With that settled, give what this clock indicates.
10,25
